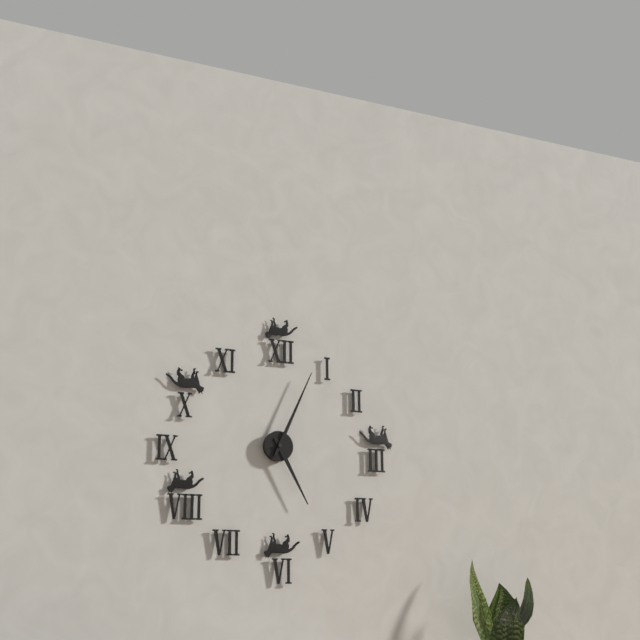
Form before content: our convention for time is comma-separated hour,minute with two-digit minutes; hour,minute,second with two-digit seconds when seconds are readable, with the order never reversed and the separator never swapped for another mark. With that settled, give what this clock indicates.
5,04
